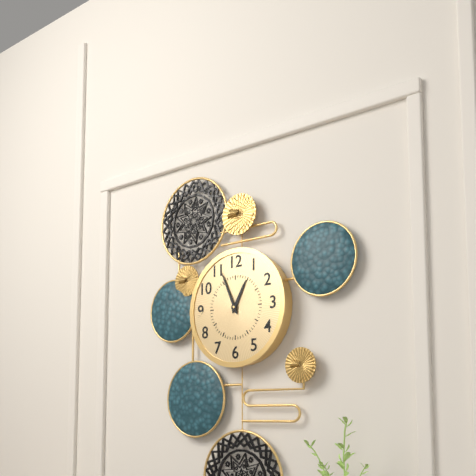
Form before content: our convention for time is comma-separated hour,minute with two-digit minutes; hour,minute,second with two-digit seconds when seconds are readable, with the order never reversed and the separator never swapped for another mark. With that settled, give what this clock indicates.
12,56
